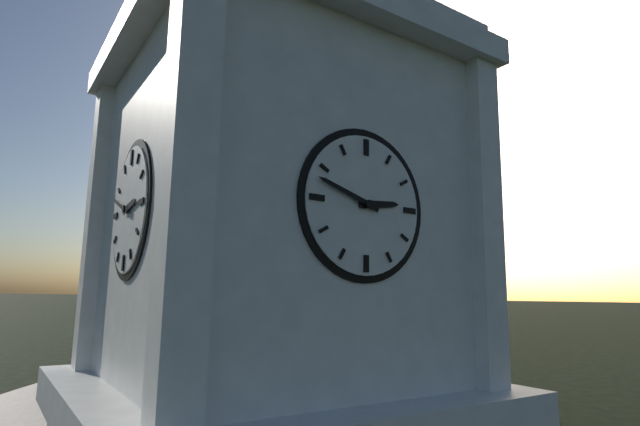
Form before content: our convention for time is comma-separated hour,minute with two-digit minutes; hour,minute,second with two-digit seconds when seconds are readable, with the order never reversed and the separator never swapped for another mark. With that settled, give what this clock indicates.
2,48
